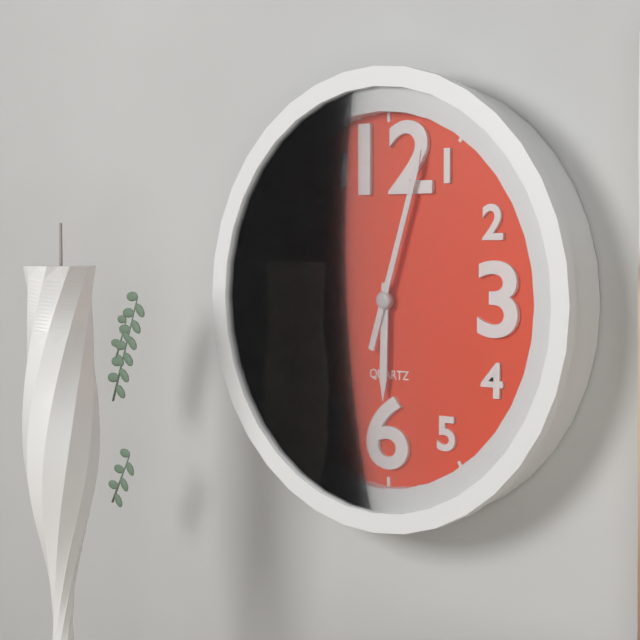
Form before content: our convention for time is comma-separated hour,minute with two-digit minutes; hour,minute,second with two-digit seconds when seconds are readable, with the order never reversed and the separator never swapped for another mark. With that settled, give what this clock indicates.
6,03
